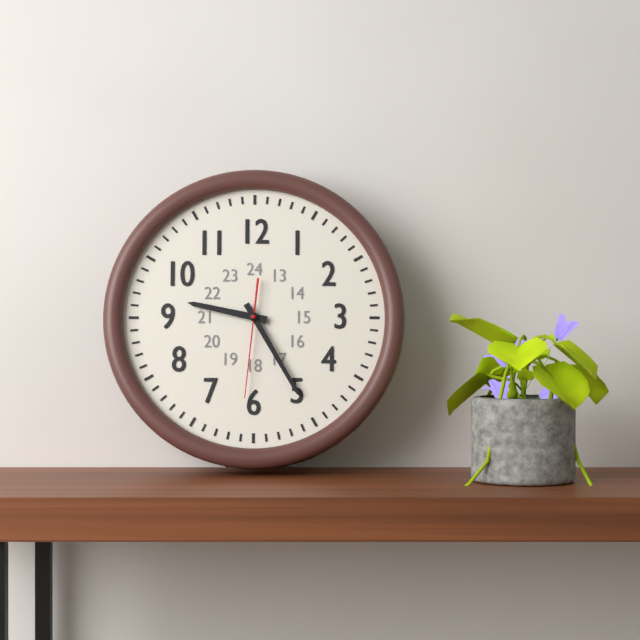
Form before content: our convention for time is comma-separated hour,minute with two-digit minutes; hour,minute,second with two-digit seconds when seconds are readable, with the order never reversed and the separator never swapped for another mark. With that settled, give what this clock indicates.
9,25,31
